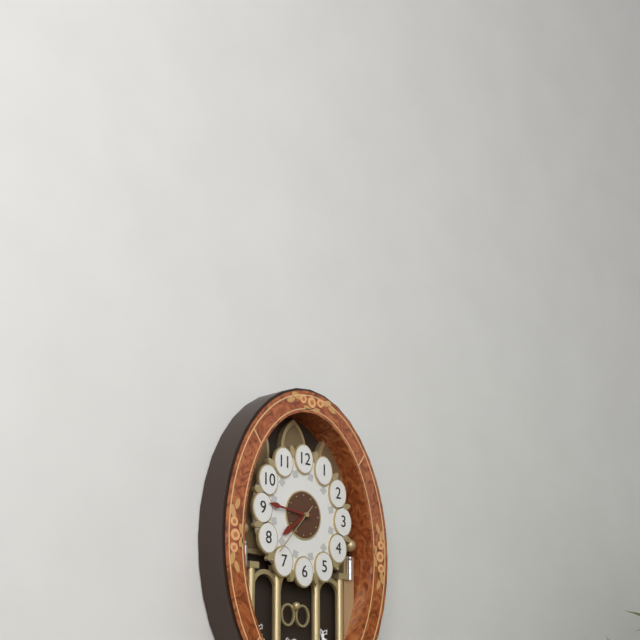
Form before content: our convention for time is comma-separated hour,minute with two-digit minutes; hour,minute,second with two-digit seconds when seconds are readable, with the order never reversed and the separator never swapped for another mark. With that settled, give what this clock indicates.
7,46,37
